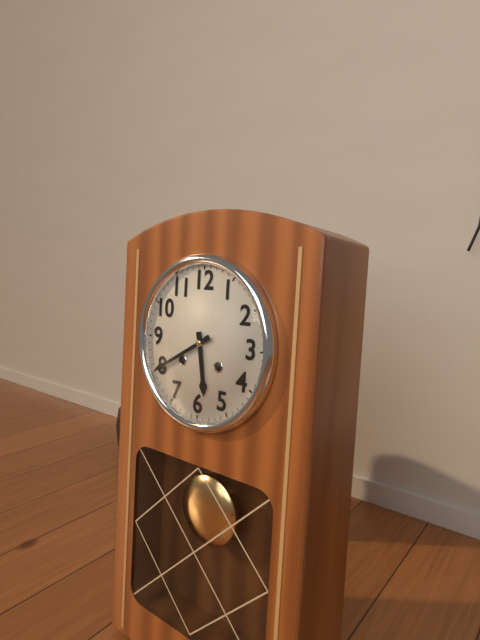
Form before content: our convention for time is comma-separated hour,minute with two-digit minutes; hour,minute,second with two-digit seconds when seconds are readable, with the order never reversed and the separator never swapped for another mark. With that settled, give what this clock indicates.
5,40
